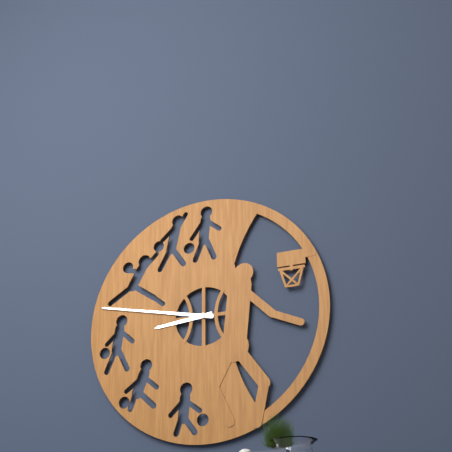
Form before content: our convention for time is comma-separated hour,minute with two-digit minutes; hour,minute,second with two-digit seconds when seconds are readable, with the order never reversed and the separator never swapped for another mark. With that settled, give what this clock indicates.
8,47
